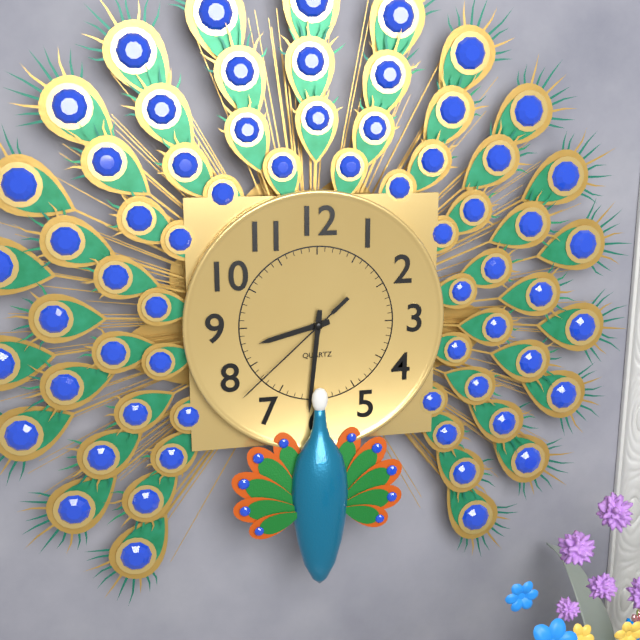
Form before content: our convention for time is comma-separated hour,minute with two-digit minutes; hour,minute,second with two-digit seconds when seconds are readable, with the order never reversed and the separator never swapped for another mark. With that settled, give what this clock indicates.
8,31,38
